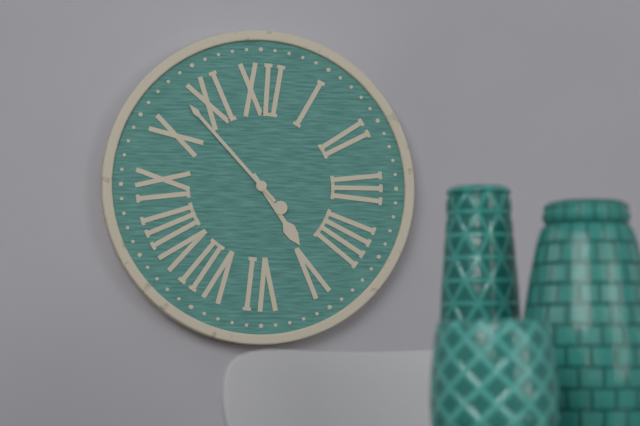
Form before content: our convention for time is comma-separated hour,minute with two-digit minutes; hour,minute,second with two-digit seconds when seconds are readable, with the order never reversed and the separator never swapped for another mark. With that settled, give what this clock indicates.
4,53
